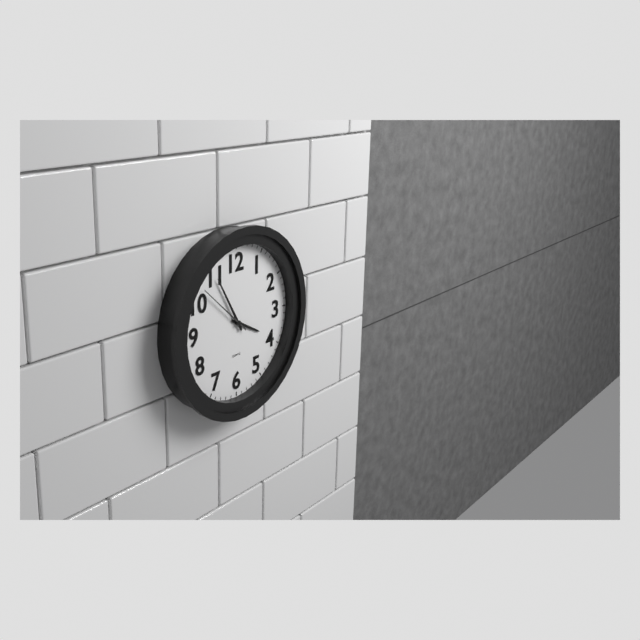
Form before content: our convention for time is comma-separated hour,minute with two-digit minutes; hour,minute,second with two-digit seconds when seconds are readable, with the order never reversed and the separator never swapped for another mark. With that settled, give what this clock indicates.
3,55,52
